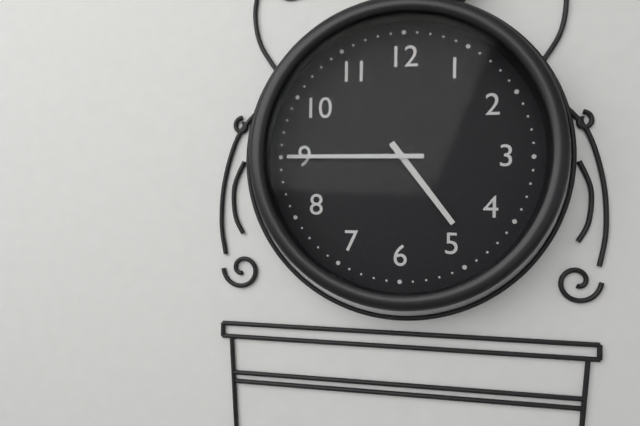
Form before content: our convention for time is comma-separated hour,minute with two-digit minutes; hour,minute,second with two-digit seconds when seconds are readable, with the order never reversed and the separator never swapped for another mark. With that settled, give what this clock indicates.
4,45
